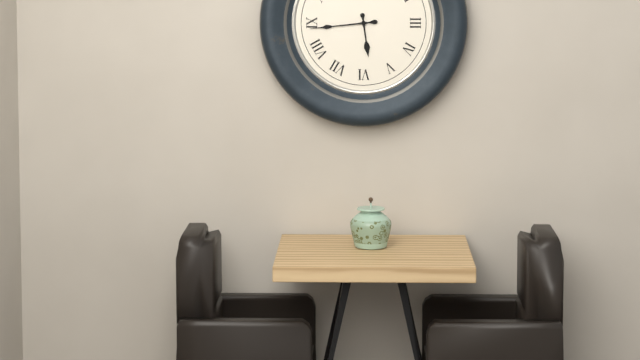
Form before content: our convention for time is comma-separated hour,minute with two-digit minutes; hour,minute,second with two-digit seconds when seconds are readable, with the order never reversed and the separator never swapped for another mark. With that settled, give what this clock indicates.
5,44
